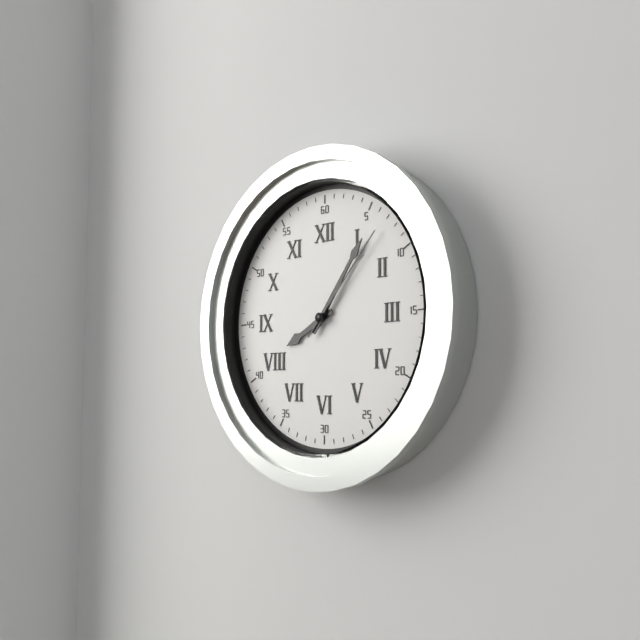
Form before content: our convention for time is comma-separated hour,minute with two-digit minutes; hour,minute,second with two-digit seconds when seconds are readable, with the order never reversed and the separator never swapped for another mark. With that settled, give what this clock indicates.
8,06,07
